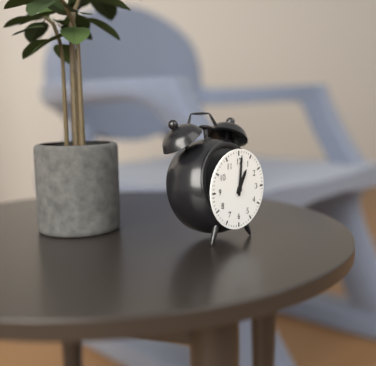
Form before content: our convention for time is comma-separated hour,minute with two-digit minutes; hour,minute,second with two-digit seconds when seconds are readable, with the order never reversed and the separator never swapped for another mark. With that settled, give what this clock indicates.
1,01
